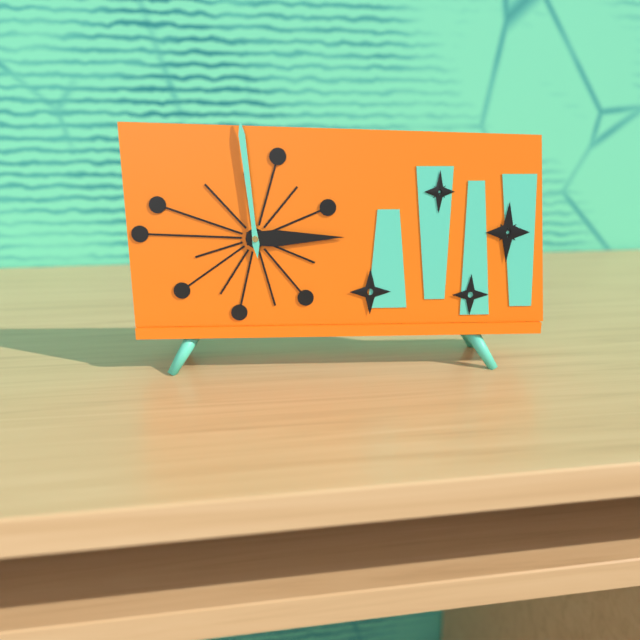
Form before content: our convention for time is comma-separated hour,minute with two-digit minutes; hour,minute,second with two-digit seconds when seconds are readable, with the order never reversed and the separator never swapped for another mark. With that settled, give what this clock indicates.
2,59
